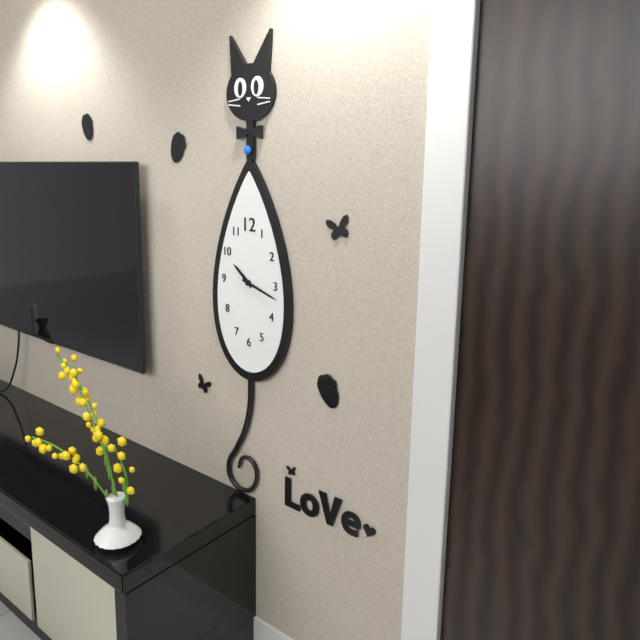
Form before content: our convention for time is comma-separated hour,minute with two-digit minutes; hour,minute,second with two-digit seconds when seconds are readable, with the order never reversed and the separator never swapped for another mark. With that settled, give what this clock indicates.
10,18
